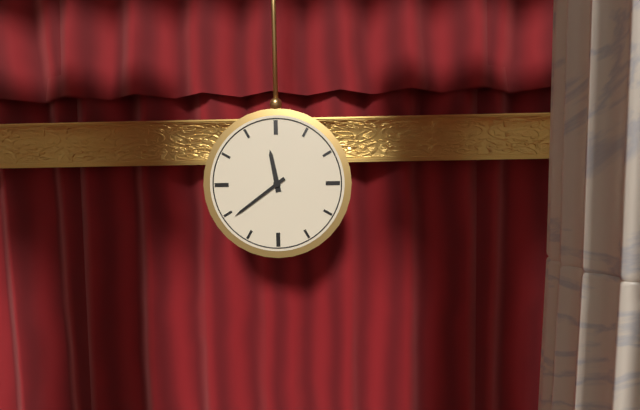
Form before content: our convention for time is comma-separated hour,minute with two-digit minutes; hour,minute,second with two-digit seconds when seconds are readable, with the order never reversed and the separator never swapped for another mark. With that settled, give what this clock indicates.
11,39
